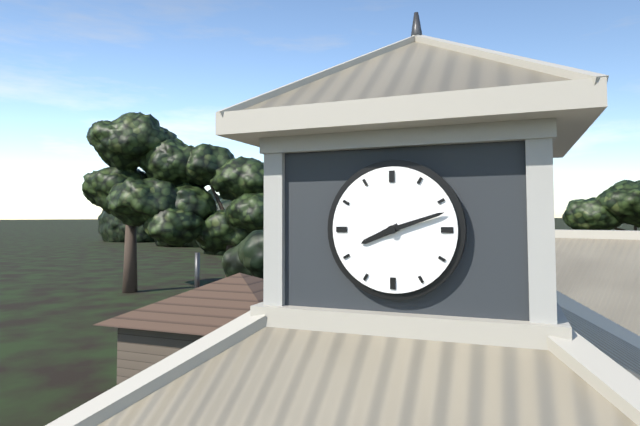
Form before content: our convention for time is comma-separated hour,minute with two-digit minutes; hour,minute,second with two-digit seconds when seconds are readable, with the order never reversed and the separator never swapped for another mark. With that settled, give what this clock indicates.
8,12
